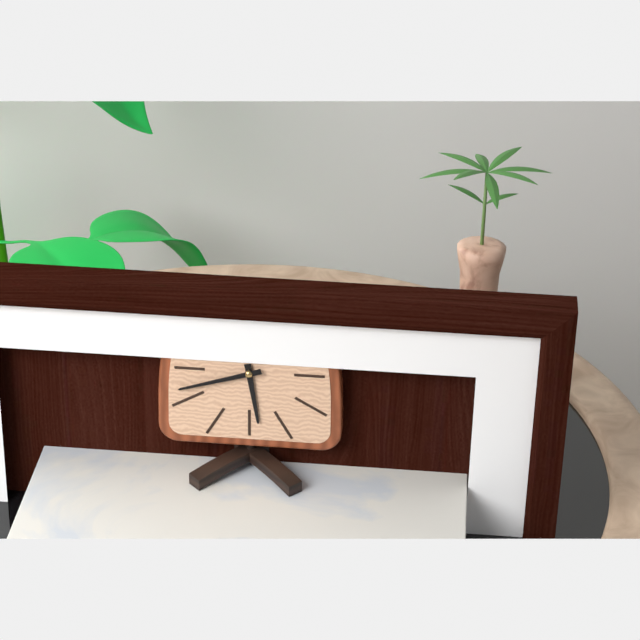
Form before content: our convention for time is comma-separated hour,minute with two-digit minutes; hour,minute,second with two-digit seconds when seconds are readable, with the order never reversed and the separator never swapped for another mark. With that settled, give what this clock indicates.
5,42
